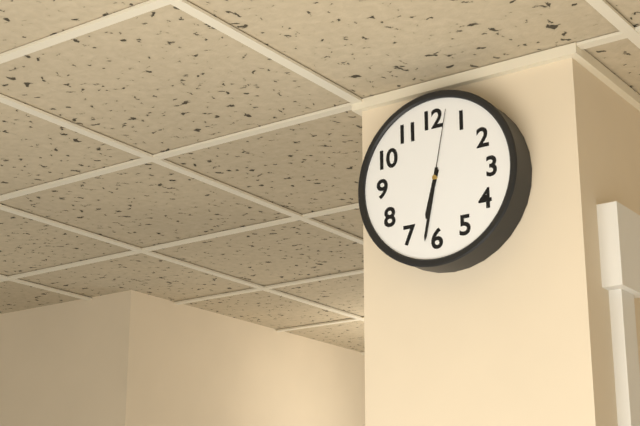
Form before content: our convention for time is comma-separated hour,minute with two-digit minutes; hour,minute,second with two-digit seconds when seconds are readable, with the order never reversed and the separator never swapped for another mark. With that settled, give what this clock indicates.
6,32,02
